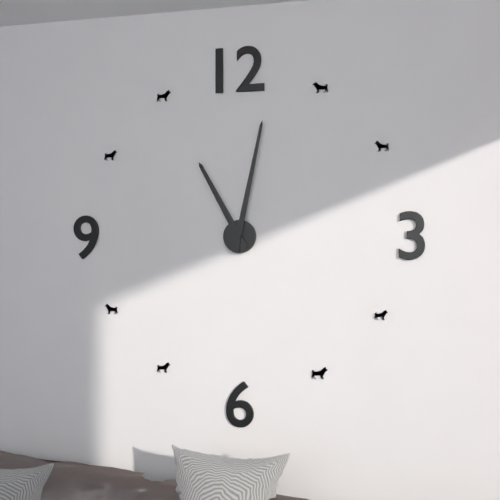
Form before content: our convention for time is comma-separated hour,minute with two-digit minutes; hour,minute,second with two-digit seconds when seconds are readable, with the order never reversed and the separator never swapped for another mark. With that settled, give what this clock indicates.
11,02
